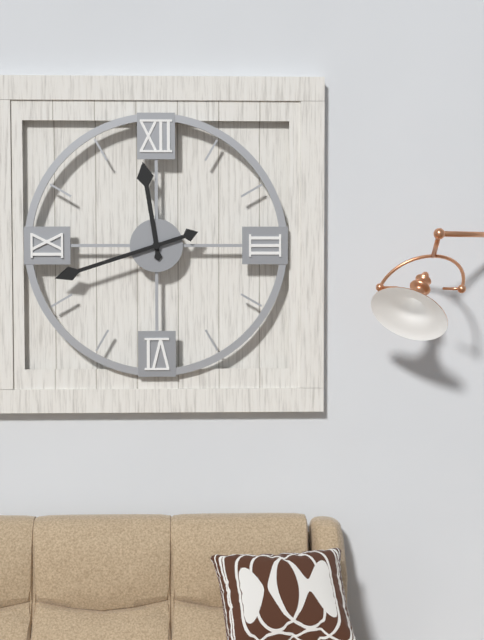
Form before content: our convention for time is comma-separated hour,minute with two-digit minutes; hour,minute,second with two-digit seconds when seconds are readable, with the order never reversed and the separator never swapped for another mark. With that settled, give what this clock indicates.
11,42
